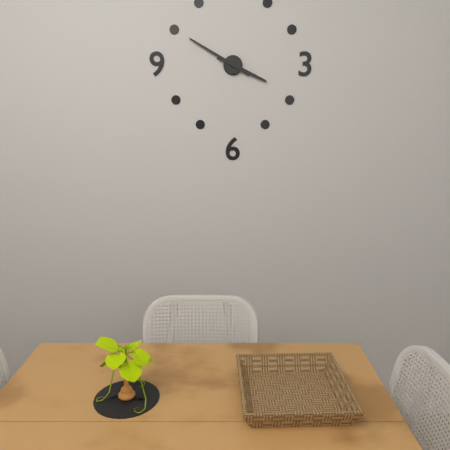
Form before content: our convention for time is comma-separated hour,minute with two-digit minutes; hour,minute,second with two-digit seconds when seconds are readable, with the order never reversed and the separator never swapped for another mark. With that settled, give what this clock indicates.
3,50
